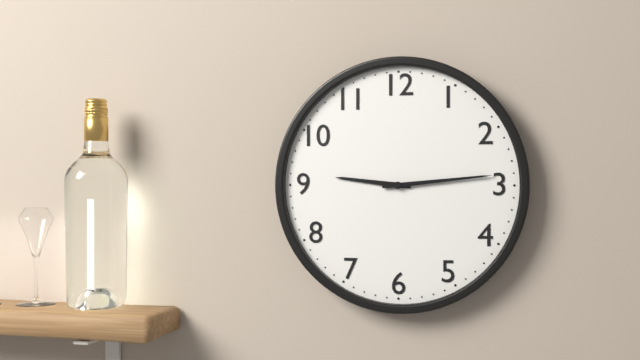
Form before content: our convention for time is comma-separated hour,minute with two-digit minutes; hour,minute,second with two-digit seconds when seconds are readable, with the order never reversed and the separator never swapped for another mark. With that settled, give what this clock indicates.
9,14
